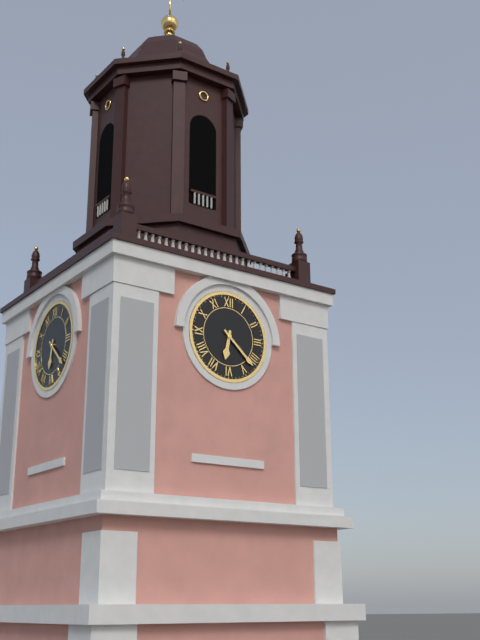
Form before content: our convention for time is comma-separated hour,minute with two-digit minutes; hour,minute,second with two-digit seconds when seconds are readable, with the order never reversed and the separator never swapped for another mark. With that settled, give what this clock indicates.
6,22
